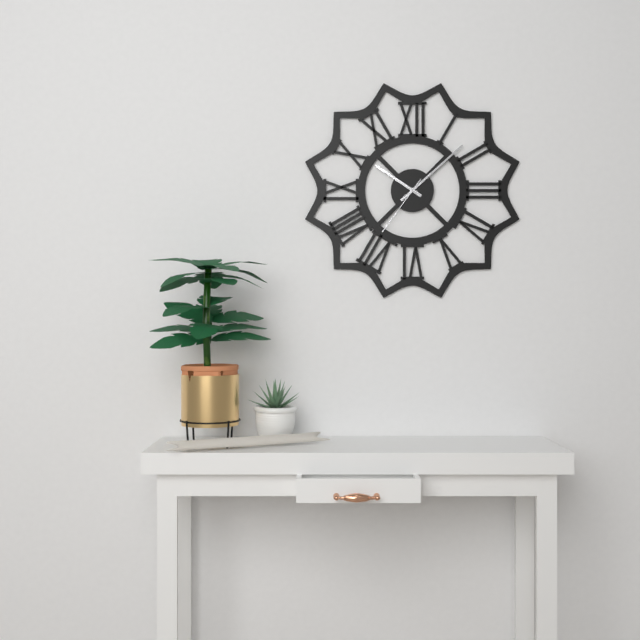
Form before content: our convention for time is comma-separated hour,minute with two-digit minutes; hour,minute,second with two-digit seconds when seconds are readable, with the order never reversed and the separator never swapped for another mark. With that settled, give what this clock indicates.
10,08,36
